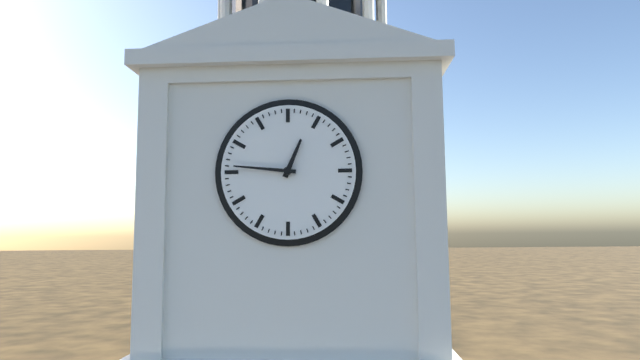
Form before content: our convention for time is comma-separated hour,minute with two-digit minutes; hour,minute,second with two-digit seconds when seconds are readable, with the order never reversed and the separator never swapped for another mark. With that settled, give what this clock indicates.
12,46
